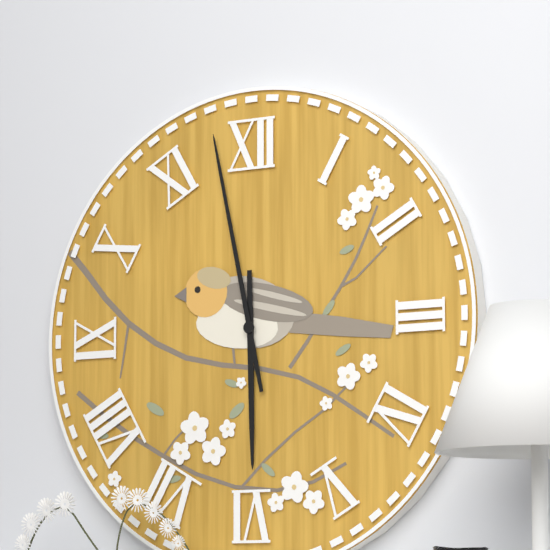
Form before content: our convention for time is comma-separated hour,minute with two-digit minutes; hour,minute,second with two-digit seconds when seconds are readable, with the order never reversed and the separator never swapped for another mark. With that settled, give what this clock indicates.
5,58
